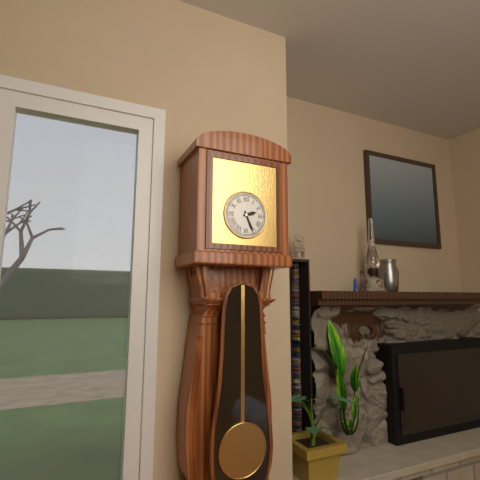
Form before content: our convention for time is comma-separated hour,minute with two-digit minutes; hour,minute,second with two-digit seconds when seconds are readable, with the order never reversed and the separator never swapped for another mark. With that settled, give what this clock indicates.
2,26
